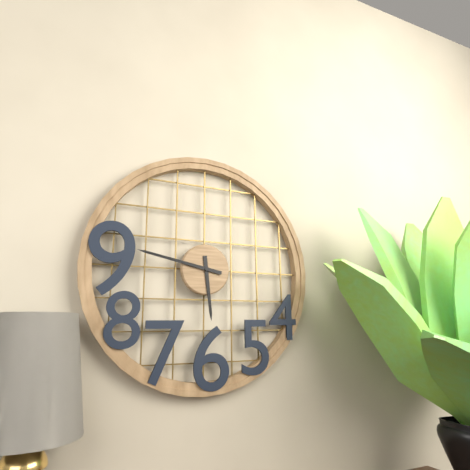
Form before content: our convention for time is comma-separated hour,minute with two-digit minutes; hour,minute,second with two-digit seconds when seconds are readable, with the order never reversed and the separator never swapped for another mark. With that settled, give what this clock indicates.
5,47
